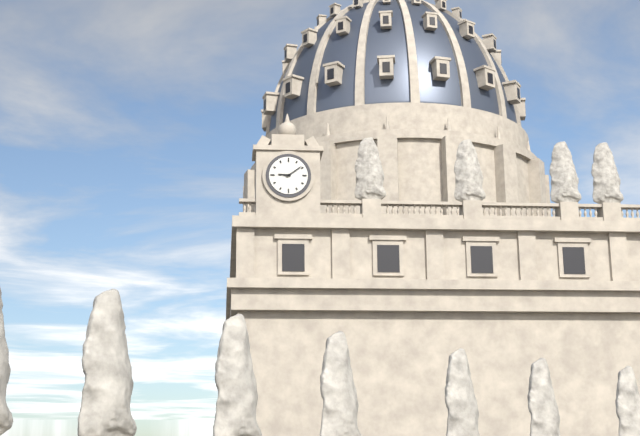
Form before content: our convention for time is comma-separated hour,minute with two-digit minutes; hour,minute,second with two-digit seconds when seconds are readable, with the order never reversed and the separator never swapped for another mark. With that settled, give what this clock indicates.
9,09
